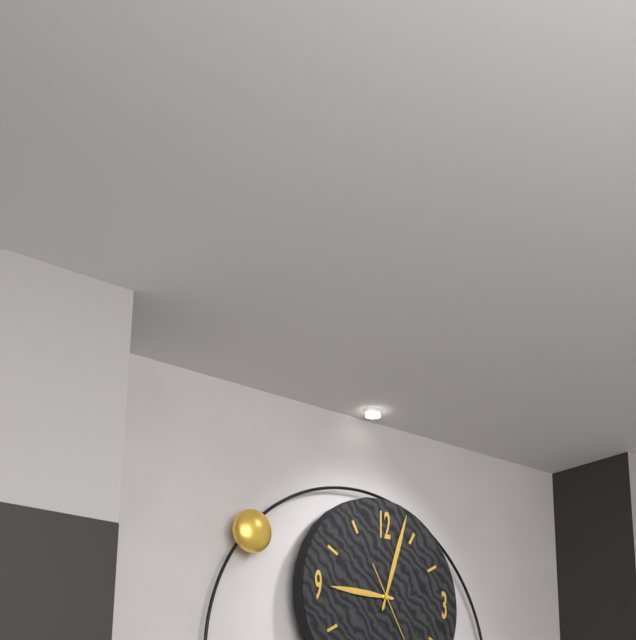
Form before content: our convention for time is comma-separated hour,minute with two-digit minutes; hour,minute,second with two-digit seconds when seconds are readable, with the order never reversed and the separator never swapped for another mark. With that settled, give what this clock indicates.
9,03
